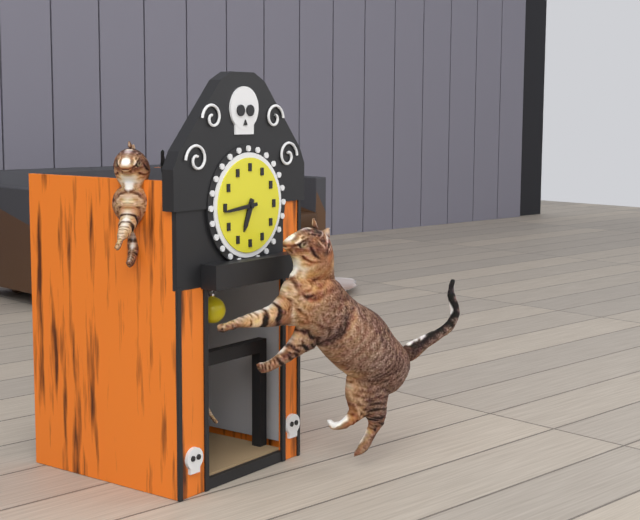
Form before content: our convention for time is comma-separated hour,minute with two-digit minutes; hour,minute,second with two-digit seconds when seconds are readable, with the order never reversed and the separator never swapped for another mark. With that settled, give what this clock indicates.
6,44
